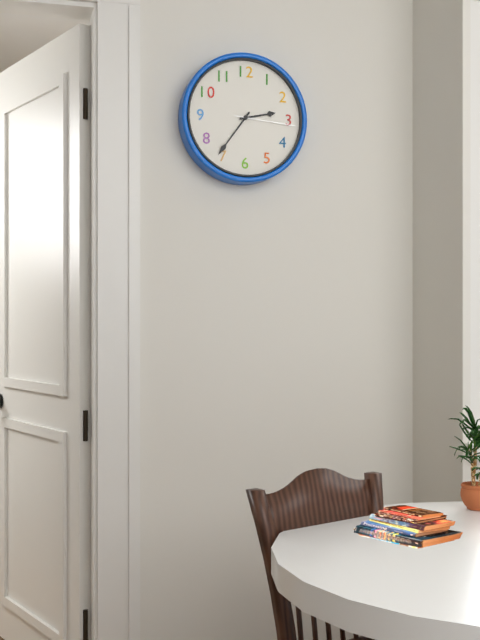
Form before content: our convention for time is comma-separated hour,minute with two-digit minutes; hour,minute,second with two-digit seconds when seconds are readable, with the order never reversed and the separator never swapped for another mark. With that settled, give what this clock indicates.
2,36,16
